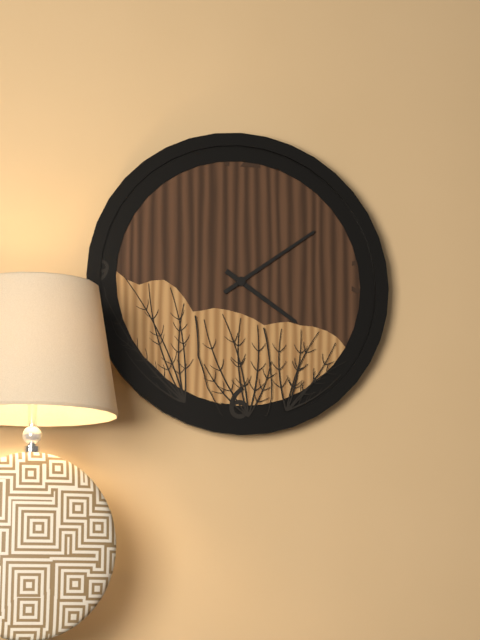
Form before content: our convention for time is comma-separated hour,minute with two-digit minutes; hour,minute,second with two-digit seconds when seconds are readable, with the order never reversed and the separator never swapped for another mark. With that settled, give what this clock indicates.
4,09
